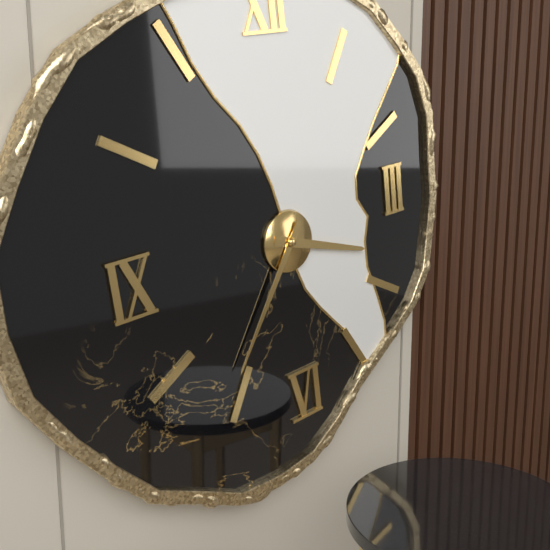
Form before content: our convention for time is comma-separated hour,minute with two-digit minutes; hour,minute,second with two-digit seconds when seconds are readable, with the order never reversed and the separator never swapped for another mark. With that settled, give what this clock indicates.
3,36
